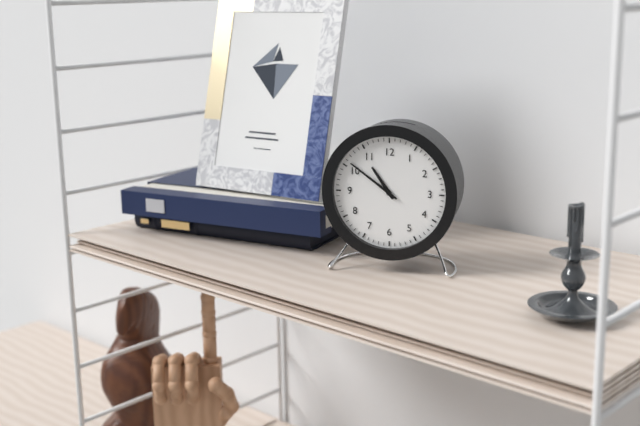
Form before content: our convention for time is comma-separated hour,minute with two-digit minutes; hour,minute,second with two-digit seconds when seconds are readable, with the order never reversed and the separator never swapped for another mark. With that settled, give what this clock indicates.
10,51
